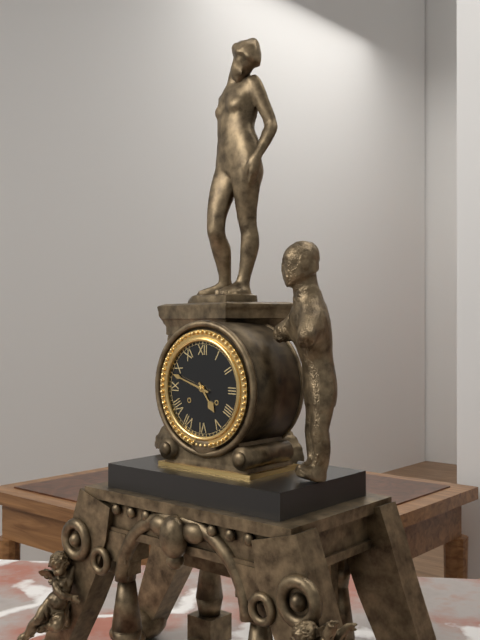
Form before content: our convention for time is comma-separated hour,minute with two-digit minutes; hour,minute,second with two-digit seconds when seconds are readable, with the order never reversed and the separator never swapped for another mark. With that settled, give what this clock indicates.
4,48
